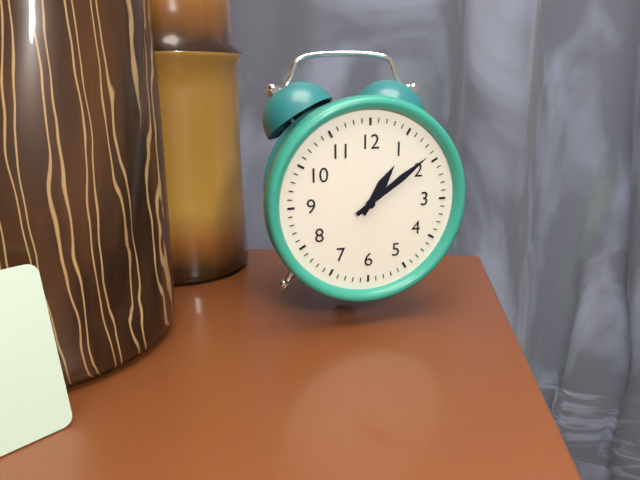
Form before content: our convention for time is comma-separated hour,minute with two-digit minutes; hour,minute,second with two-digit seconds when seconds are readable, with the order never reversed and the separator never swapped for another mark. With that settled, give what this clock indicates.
1,09
